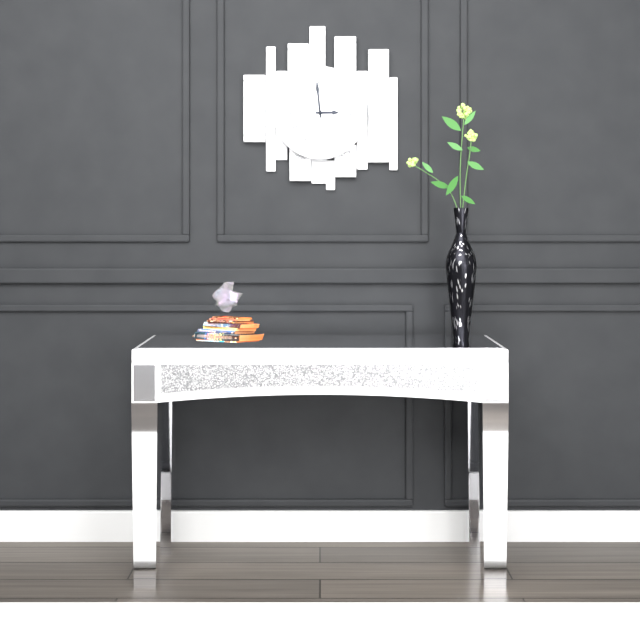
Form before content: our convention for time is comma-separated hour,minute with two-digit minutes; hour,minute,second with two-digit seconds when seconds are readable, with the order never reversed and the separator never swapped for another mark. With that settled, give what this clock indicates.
2,59
